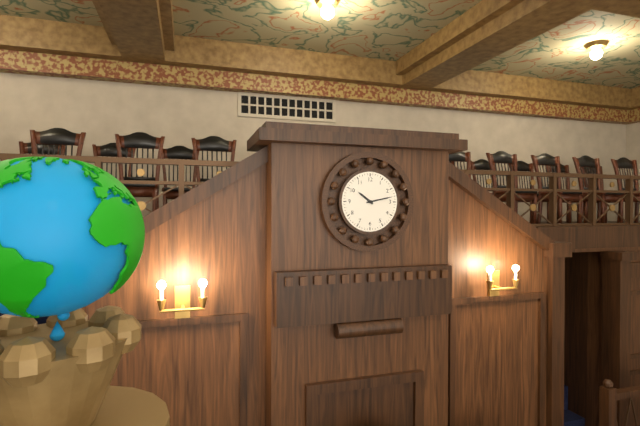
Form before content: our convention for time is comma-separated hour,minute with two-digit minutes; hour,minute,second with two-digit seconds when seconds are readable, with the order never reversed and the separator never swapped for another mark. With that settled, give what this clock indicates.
10,13
